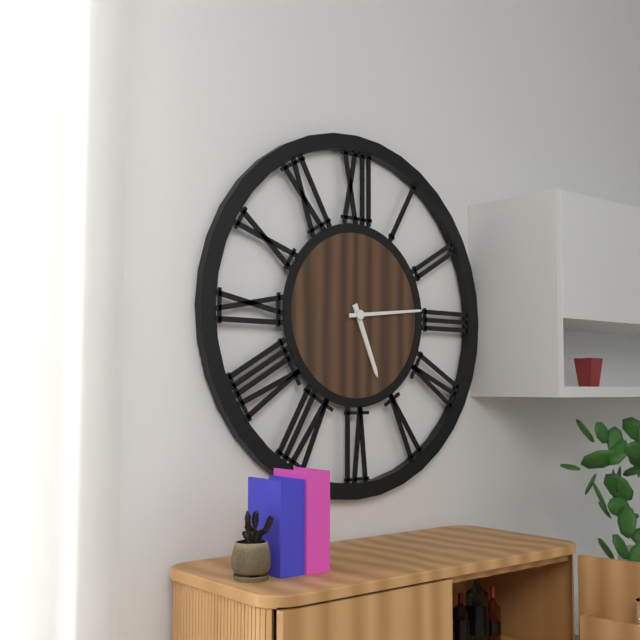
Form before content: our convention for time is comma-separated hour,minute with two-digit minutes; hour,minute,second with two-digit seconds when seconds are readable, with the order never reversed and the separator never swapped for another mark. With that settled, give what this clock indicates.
5,14
